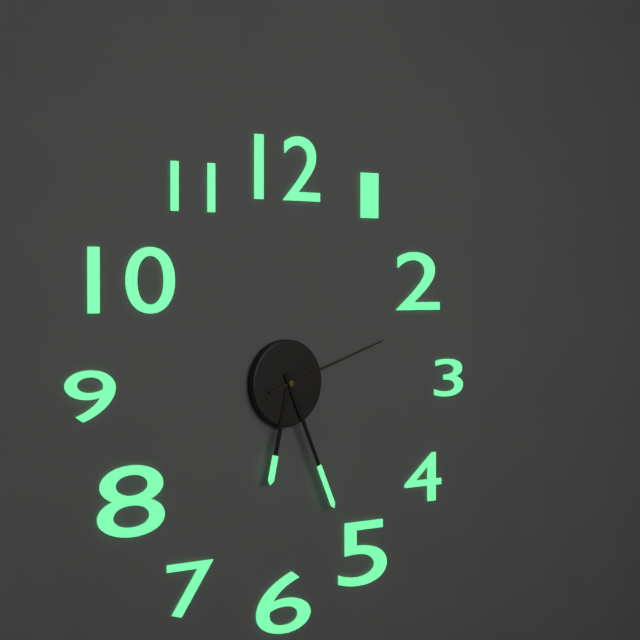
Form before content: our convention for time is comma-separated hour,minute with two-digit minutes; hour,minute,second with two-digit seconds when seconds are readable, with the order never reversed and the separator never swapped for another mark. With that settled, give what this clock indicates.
6,26,12
